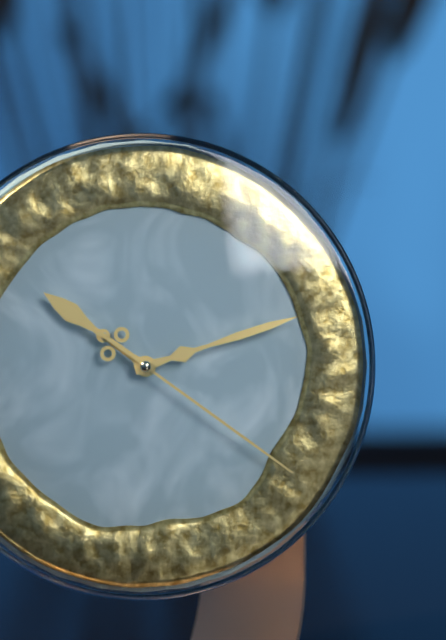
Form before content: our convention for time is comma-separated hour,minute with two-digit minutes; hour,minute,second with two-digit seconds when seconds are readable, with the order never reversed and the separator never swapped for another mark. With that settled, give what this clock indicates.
10,12,21
